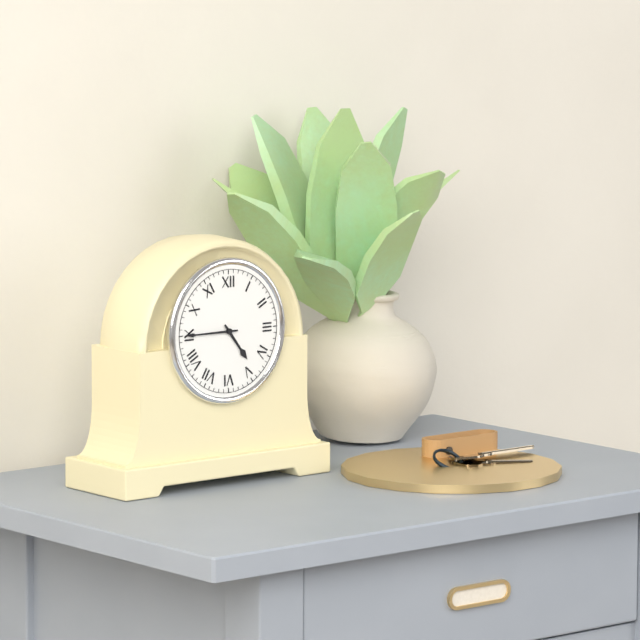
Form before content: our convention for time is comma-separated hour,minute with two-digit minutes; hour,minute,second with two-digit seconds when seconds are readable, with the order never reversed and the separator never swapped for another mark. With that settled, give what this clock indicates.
4,45
